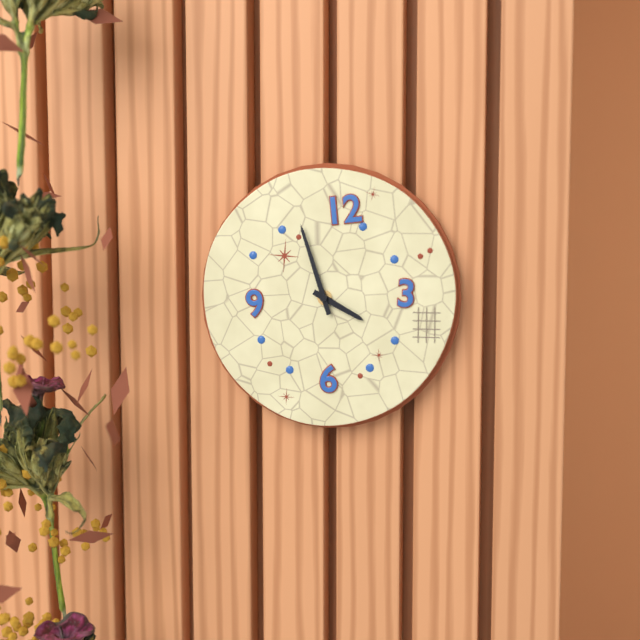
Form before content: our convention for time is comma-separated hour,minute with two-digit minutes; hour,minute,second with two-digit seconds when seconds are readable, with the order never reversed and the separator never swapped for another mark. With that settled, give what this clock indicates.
3,57
